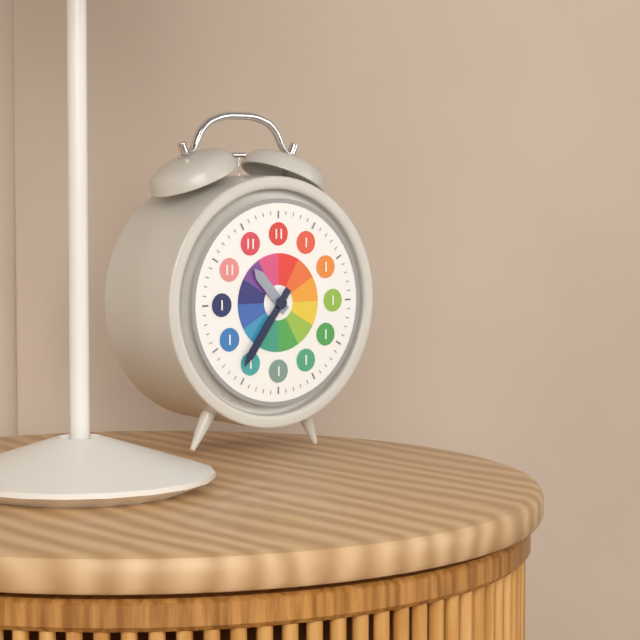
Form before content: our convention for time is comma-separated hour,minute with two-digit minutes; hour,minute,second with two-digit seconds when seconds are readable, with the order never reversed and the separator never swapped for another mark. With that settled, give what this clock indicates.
10,36
